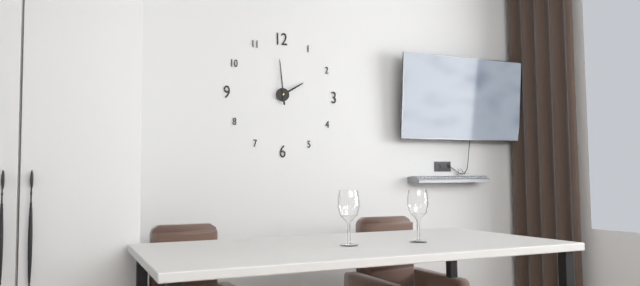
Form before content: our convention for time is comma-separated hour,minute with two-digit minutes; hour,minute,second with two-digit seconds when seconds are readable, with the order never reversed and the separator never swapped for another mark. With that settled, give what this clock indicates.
1,59
